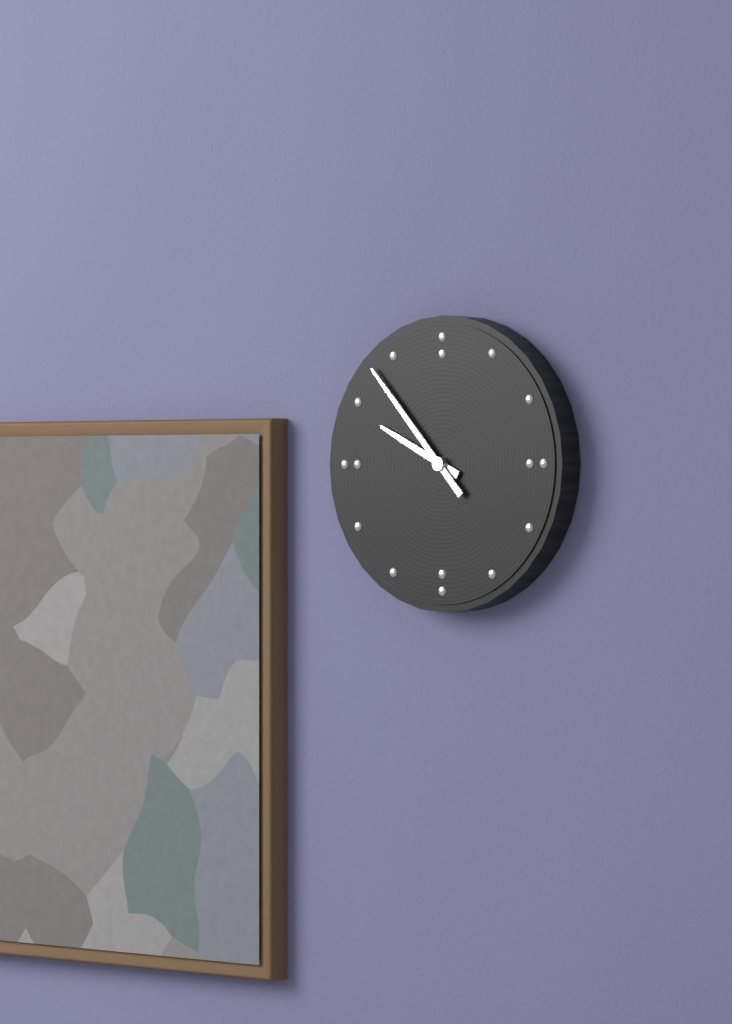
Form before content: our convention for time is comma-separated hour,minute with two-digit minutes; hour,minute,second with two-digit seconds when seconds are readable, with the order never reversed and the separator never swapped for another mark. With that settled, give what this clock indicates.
9,53
